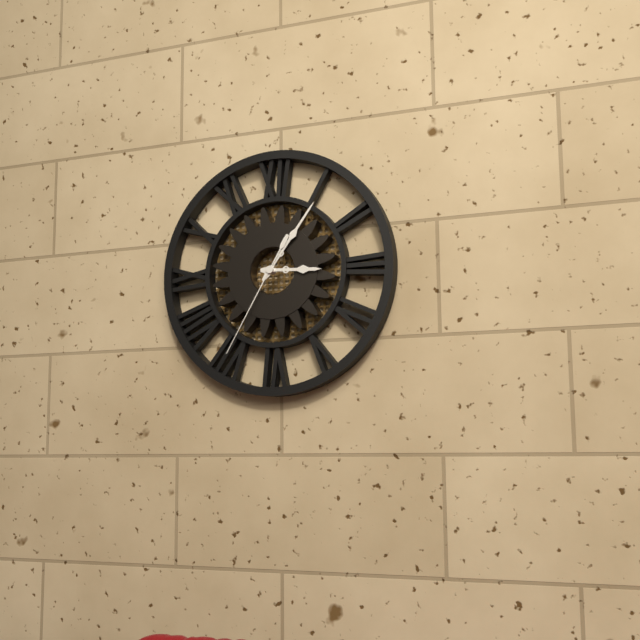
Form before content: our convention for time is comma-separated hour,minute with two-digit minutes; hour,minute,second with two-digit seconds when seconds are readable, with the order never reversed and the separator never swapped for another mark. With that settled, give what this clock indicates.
3,06,35
